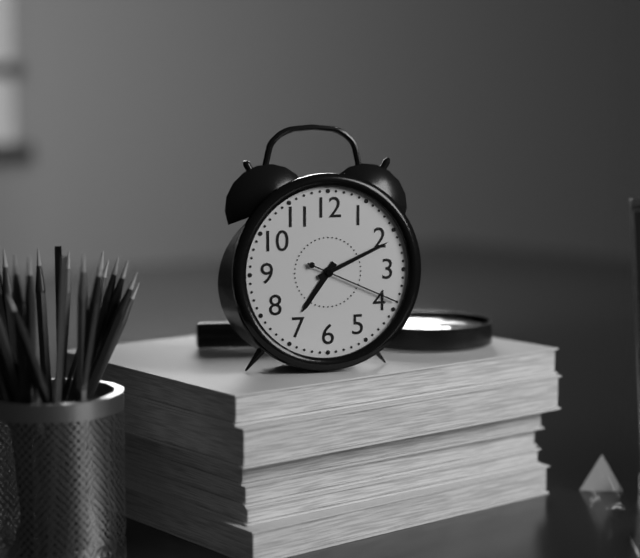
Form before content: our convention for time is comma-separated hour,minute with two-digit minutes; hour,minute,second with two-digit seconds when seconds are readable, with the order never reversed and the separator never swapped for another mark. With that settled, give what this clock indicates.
7,11,19
